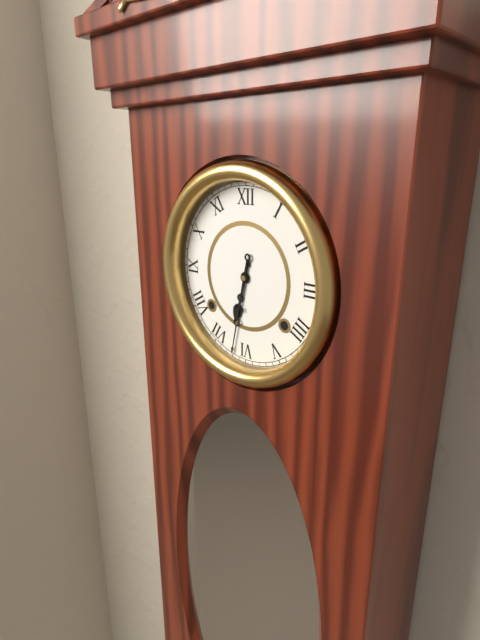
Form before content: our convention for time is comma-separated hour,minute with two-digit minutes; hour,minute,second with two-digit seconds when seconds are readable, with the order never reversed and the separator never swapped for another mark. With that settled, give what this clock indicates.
6,32
